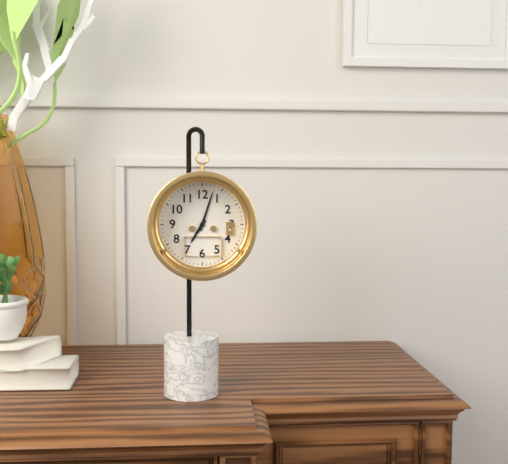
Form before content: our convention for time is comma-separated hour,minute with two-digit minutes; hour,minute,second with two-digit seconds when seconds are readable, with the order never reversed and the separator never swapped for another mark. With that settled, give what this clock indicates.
7,03
